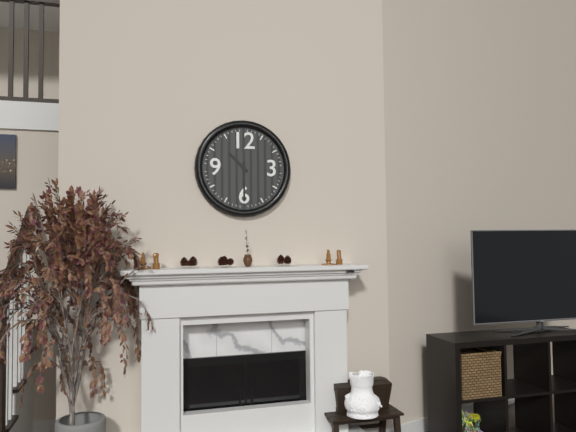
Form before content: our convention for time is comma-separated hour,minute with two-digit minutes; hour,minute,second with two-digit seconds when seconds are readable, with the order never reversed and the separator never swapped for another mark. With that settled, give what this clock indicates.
10,30
